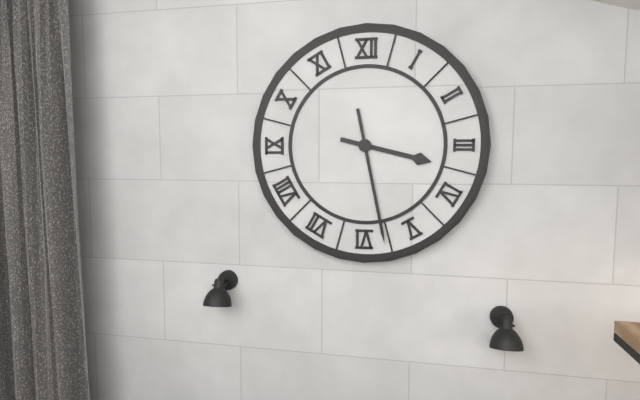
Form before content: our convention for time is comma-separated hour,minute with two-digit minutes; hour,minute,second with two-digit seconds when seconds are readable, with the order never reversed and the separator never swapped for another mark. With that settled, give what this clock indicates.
3,28
